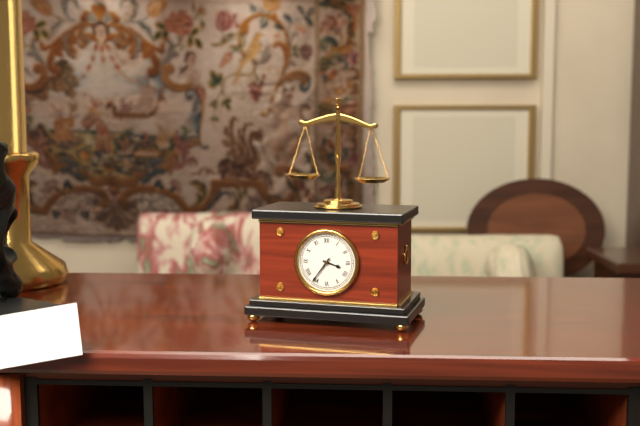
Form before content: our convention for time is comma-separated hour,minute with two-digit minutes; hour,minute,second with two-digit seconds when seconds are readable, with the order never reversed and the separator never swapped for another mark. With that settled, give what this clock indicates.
3,36
